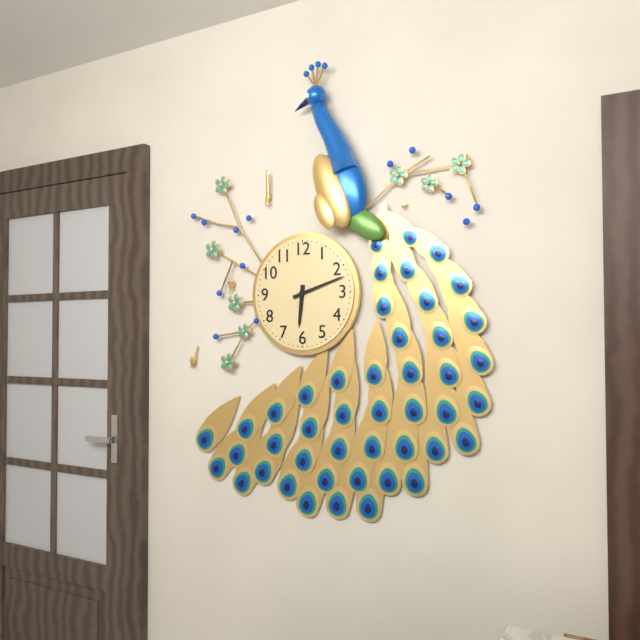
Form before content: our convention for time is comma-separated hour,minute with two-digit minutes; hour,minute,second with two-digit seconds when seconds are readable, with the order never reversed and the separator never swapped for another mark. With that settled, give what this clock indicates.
6,12
